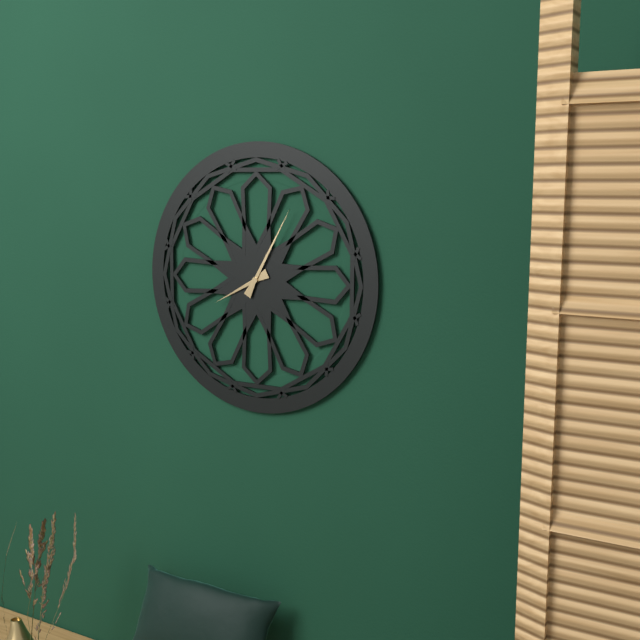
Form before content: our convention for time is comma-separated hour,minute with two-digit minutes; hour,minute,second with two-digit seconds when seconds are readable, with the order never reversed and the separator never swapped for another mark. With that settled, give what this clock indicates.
8,05
